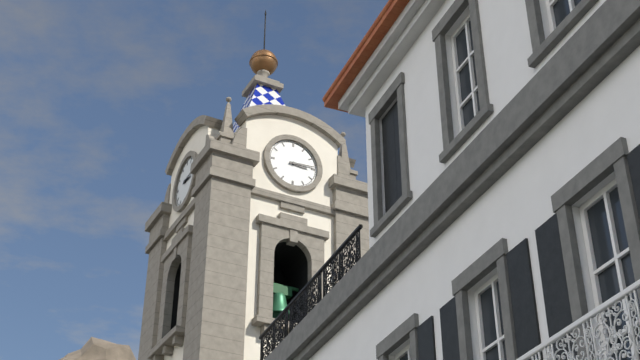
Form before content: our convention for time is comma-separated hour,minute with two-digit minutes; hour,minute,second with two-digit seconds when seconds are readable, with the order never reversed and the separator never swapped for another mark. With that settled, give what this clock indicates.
3,14
